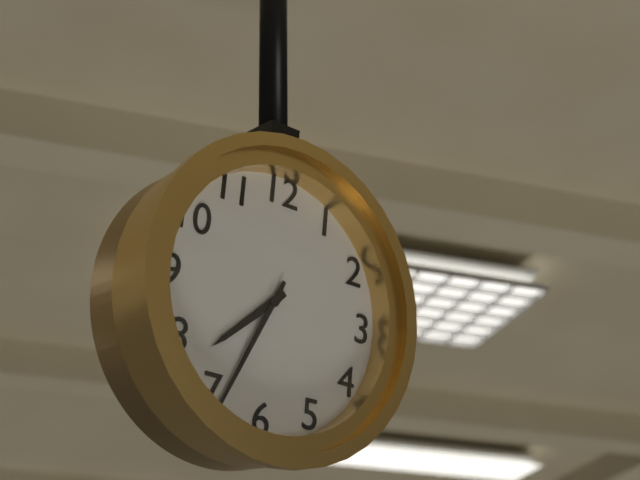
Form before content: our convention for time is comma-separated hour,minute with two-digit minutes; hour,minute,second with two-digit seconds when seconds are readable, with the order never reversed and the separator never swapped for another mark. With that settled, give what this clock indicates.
7,34
